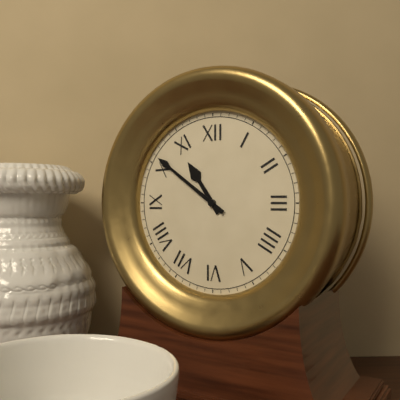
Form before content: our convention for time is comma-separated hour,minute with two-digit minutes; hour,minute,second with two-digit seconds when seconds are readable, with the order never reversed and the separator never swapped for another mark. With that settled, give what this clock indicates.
10,51
